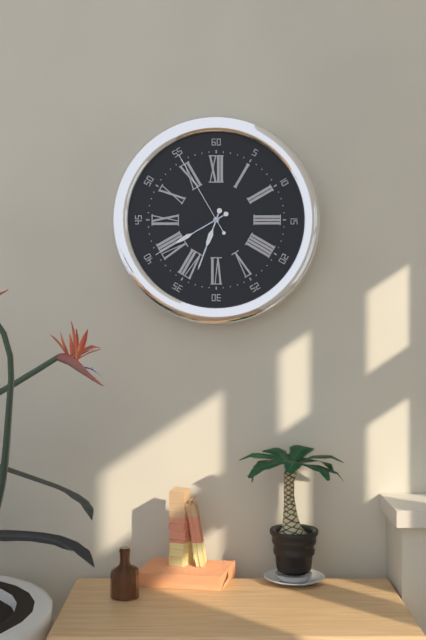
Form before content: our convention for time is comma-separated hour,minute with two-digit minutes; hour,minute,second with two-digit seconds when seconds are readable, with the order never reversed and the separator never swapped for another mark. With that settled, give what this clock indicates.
6,40,55
